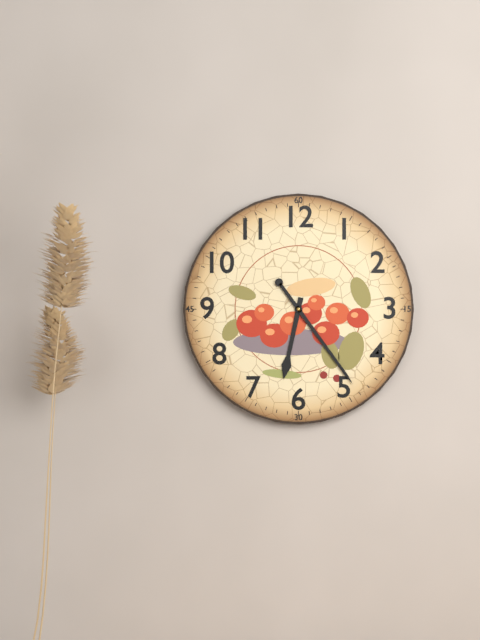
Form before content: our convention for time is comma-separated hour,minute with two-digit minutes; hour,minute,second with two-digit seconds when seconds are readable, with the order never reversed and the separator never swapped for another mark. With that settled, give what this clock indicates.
6,24
